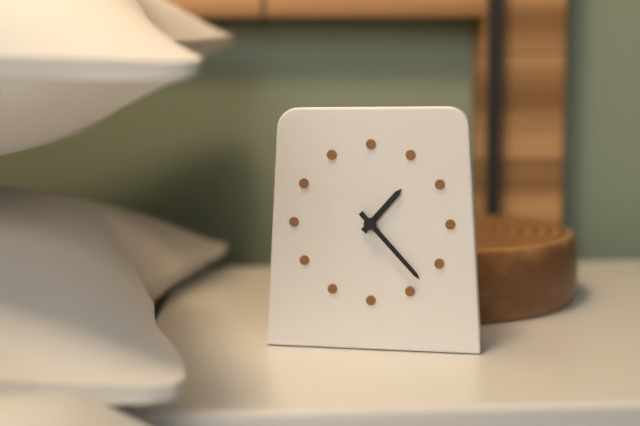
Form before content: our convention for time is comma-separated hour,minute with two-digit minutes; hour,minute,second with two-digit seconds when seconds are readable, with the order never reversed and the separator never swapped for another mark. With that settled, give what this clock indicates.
1,23
